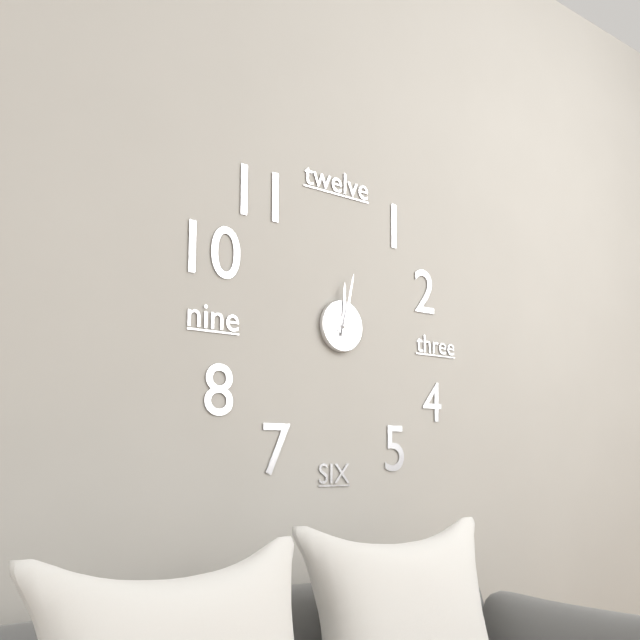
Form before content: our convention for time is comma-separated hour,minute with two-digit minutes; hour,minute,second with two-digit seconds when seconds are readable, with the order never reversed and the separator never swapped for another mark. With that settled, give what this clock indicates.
12,02
